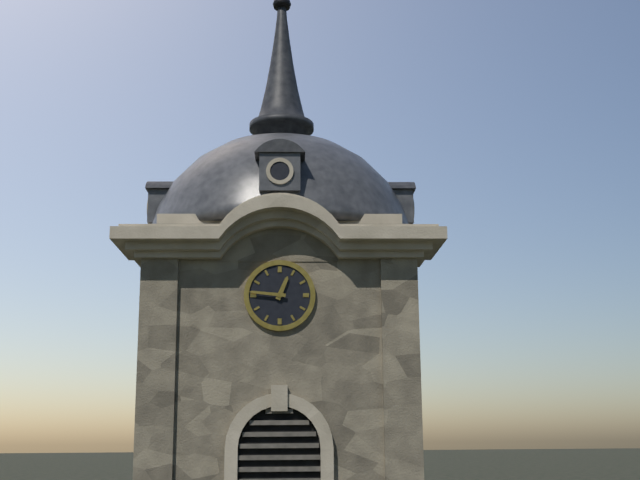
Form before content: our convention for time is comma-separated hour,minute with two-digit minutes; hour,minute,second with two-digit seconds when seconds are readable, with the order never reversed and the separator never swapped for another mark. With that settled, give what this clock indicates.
12,46
